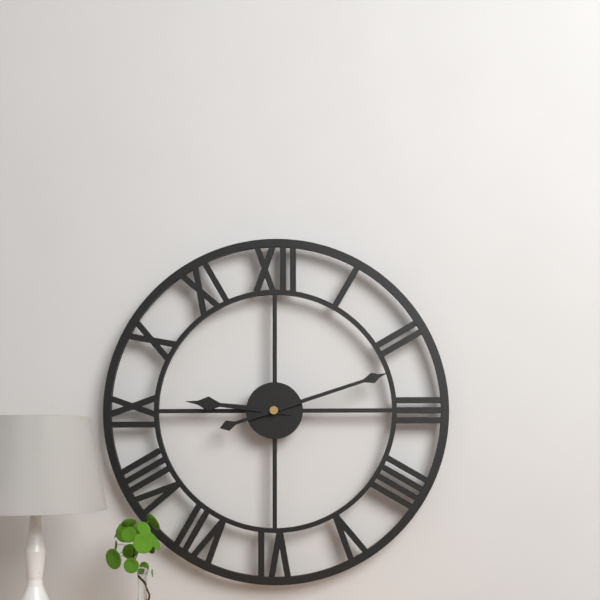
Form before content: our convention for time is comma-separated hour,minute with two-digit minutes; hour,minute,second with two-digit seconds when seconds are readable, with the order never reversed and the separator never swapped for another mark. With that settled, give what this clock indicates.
9,12
